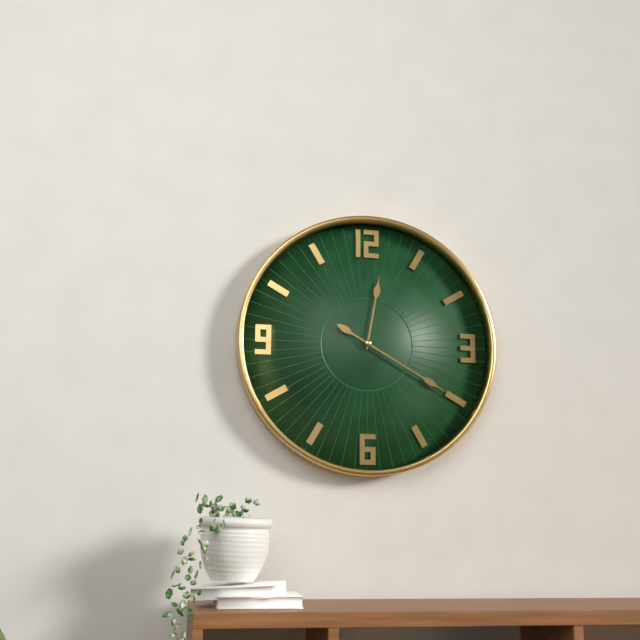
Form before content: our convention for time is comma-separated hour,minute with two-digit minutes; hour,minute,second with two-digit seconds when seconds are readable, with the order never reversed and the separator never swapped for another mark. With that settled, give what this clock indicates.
12,20
